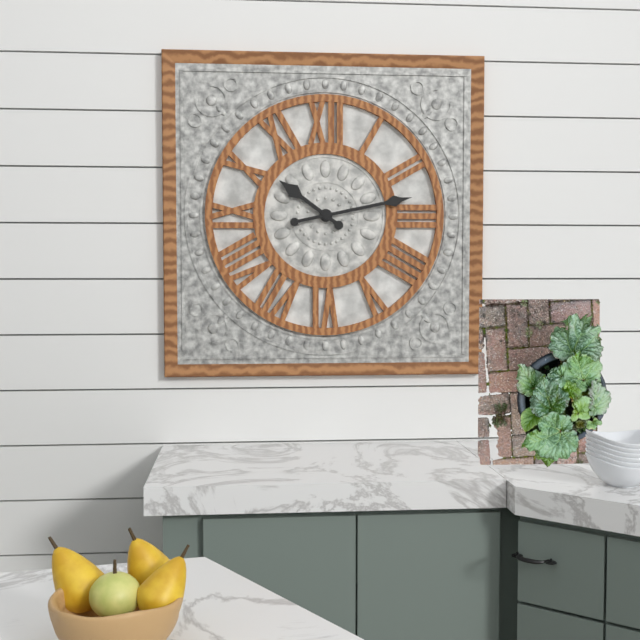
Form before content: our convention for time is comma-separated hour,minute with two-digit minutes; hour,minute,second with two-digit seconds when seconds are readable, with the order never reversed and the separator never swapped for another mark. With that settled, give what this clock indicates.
10,13
